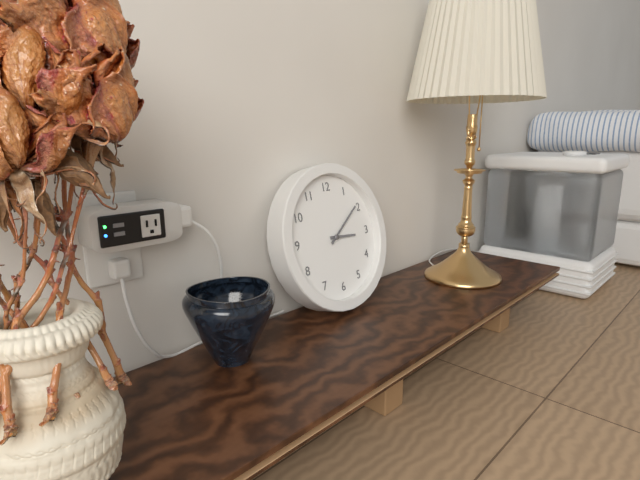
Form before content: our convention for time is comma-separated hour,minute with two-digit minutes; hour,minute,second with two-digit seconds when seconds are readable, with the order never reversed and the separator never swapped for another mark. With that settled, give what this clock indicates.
3,09
